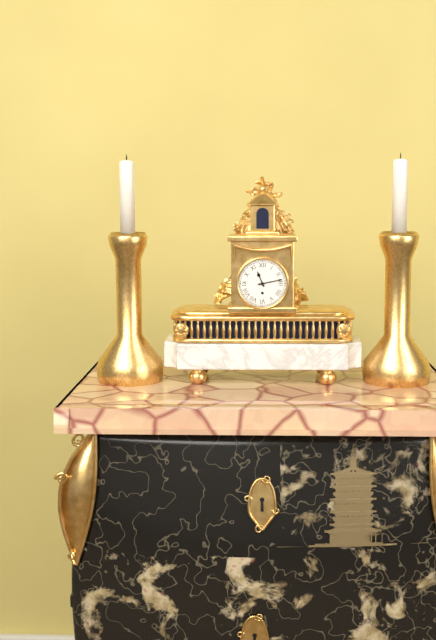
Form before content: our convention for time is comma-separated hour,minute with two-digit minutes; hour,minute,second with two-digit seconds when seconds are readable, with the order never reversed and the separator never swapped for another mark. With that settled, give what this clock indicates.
11,13
